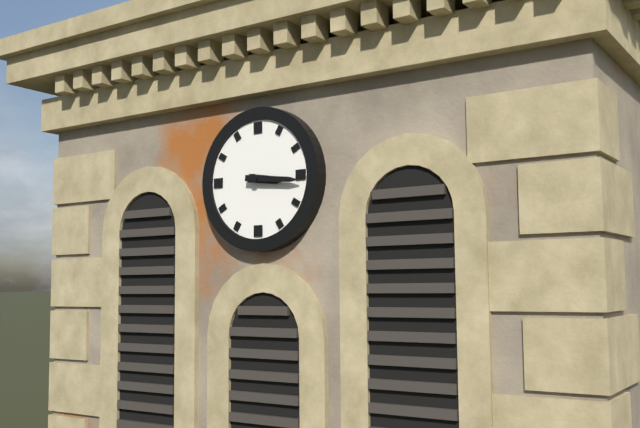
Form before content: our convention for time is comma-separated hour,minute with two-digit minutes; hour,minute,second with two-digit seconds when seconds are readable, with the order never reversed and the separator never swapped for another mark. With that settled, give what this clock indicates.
3,16
